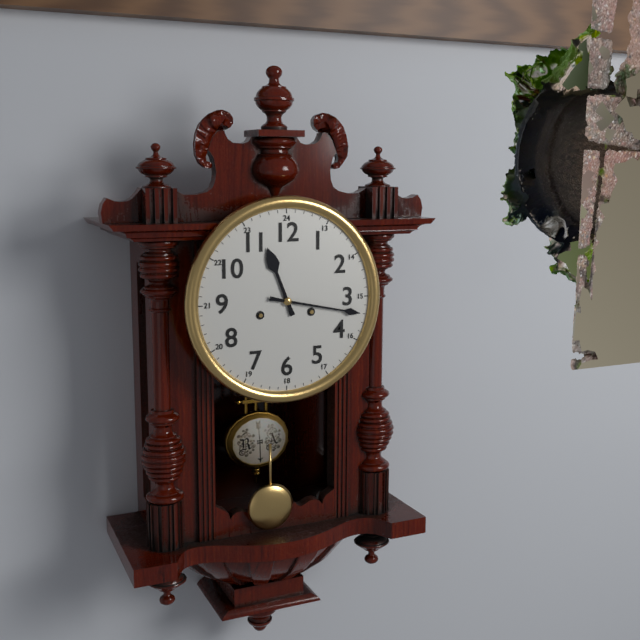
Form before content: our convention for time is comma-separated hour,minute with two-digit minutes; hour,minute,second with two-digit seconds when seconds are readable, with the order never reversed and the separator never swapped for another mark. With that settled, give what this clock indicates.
11,17
